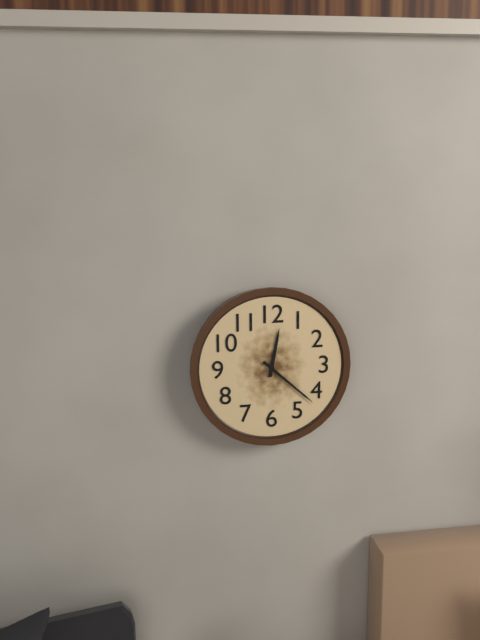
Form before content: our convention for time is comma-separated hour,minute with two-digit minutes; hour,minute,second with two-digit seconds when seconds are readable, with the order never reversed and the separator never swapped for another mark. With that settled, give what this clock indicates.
12,22
